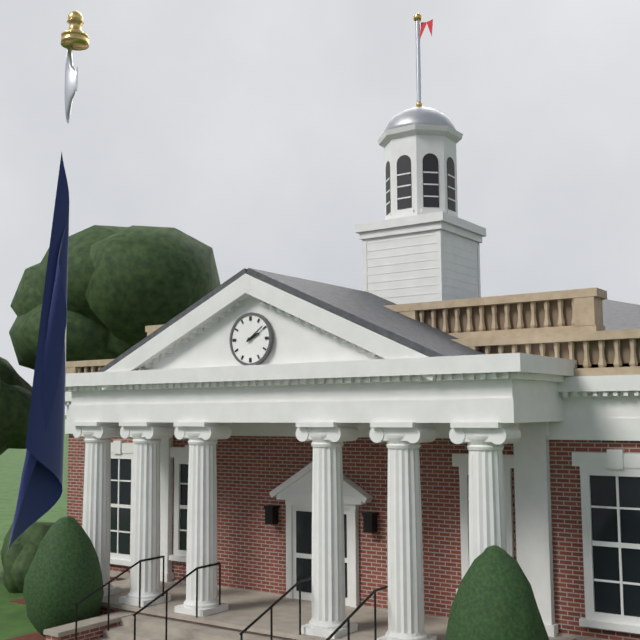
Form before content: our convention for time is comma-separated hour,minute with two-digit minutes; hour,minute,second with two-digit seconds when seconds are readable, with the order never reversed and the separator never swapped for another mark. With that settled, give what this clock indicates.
2,09
